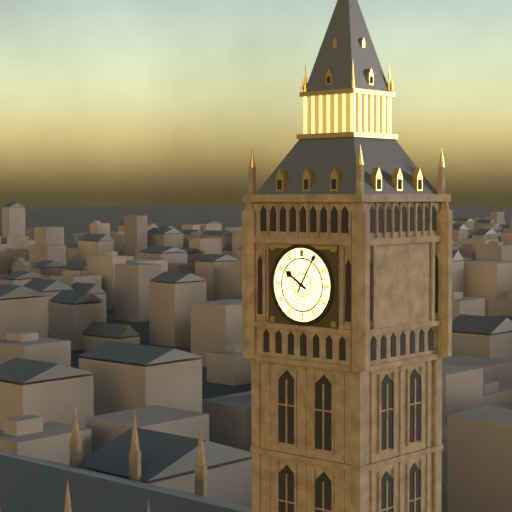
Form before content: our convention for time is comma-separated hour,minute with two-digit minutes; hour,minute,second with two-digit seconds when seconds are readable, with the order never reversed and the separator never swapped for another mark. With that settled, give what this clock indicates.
10,05
